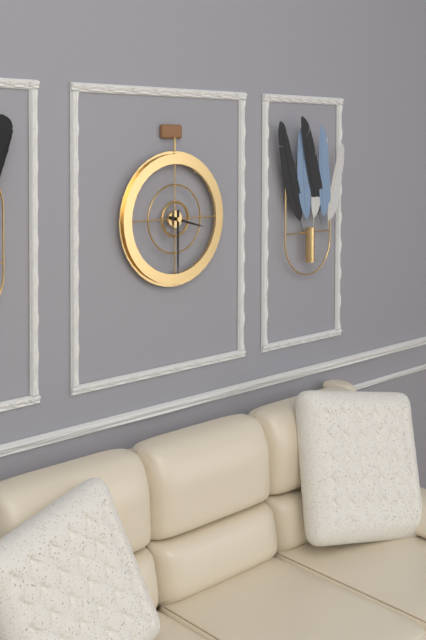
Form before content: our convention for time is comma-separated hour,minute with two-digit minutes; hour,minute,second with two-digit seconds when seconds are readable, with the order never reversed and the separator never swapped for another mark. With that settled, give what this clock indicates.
3,30
